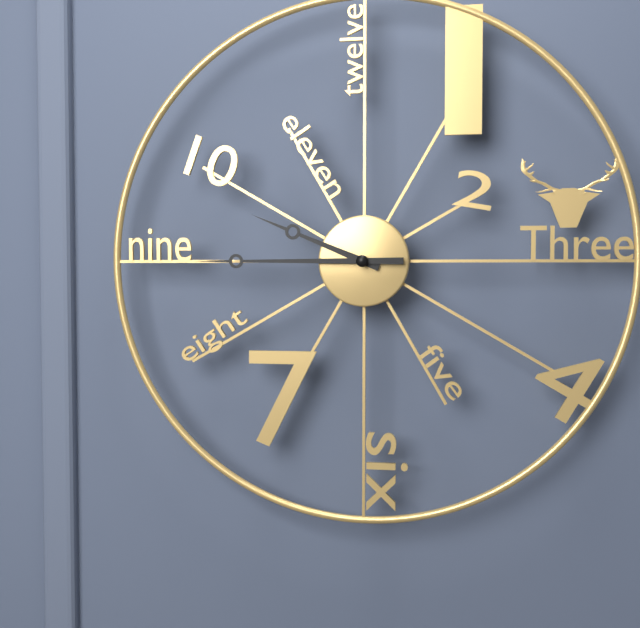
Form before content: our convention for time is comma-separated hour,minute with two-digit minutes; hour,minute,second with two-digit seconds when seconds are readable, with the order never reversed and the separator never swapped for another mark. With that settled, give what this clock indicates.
9,45
